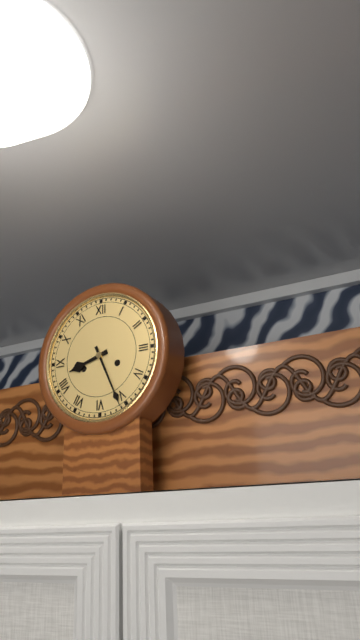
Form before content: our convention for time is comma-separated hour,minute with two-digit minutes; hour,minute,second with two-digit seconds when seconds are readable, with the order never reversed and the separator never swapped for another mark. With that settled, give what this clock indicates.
8,26
